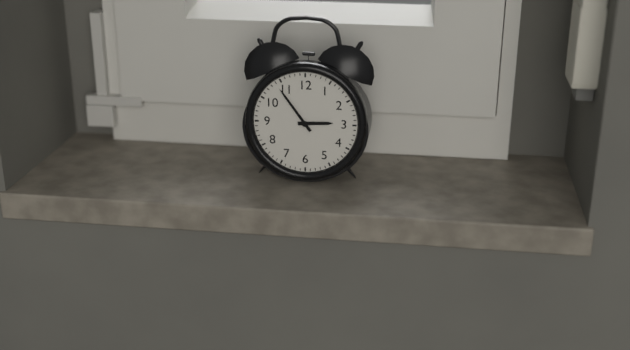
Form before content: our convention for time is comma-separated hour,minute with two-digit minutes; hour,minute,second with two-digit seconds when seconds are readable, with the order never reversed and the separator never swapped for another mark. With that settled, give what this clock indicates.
2,54
